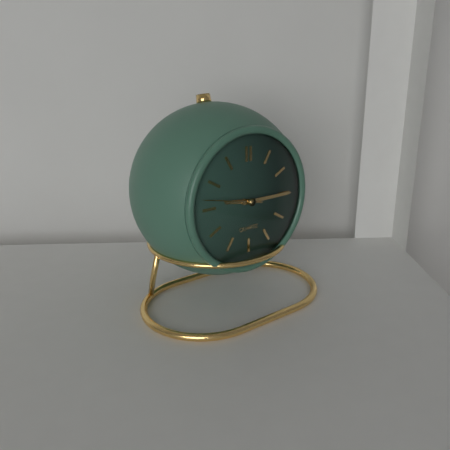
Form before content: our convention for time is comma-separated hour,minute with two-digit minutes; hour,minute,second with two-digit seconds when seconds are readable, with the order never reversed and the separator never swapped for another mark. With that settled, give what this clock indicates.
9,15,47
